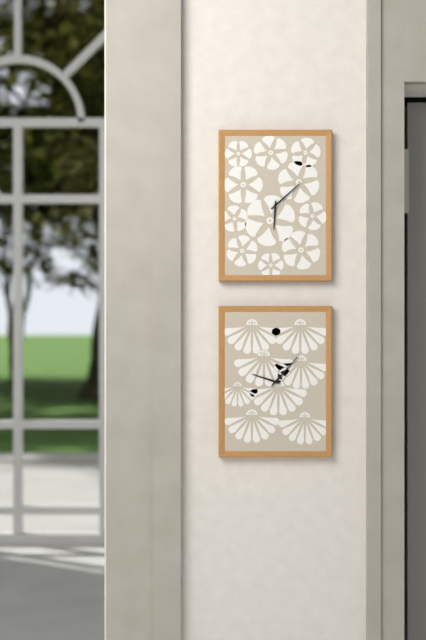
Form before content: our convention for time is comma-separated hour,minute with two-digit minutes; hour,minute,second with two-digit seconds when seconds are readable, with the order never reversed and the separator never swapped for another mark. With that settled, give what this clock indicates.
6,08
